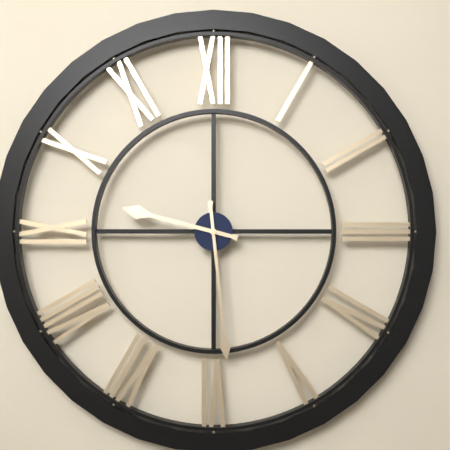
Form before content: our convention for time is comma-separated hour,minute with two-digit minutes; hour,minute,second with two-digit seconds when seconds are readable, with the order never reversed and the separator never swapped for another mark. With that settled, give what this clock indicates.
9,29
